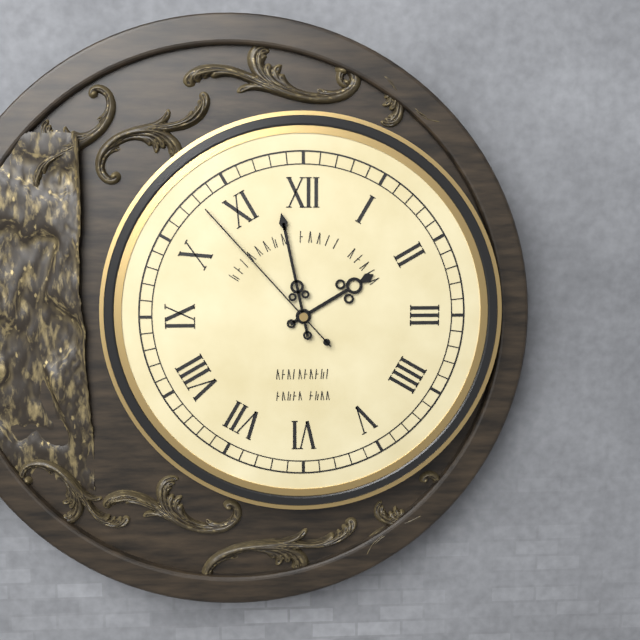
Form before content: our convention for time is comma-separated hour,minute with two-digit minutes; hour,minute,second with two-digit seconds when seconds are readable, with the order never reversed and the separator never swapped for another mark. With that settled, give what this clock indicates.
1,58,53
